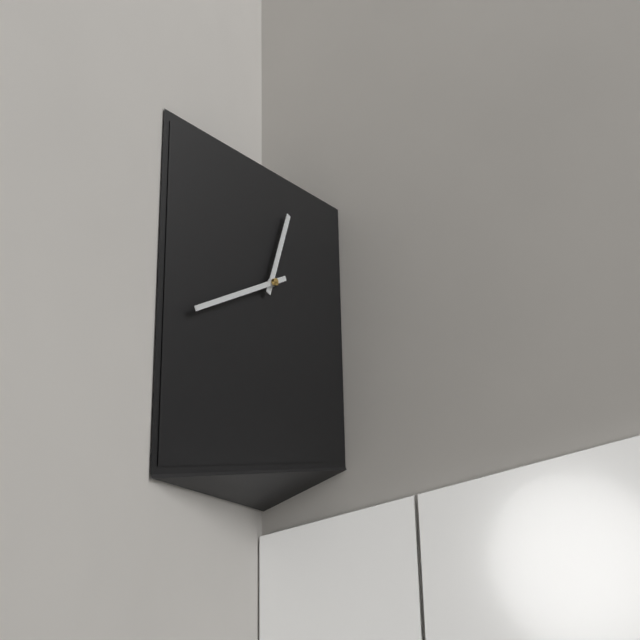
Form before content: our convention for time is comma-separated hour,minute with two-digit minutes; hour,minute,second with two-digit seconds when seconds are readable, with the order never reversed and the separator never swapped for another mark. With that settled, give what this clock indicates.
12,41
